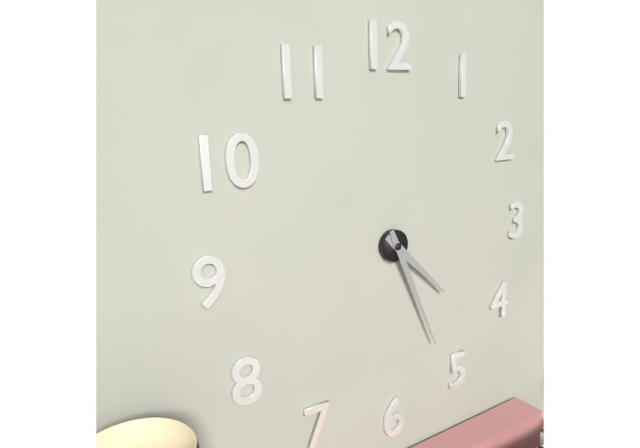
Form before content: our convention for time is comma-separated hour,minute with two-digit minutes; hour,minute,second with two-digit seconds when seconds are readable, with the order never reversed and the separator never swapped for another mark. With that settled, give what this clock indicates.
4,26
